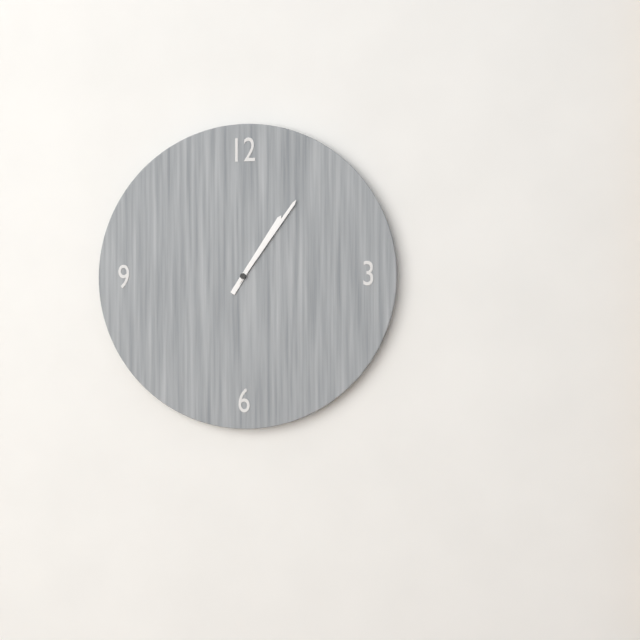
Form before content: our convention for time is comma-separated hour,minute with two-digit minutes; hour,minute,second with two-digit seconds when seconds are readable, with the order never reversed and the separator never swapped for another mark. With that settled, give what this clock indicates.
1,06
